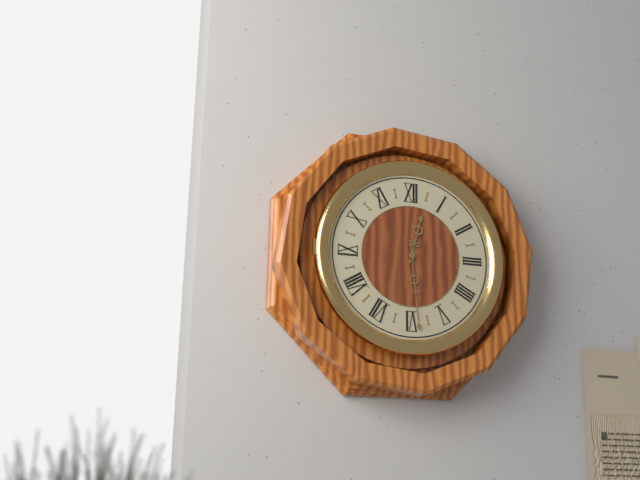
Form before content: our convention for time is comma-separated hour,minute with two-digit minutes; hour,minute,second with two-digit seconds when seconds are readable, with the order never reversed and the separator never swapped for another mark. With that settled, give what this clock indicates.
12,29
